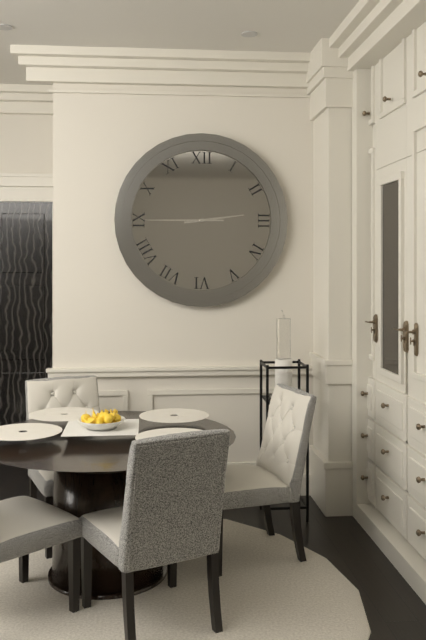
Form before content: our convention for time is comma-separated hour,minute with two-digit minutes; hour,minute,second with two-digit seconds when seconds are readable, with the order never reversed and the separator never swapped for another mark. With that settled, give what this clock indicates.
2,45
